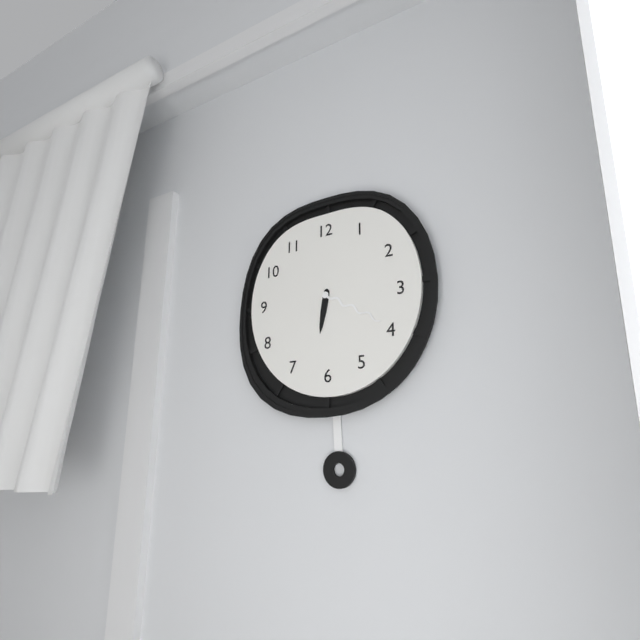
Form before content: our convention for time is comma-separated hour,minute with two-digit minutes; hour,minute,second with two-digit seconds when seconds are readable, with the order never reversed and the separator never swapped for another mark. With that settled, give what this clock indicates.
6,20
